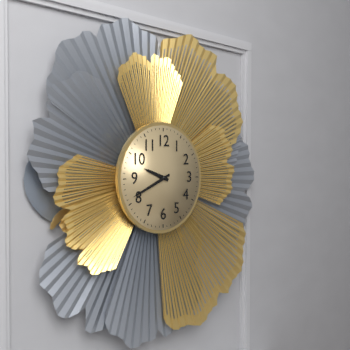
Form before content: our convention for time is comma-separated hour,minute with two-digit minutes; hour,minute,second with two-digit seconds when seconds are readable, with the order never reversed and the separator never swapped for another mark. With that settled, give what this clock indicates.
9,41
